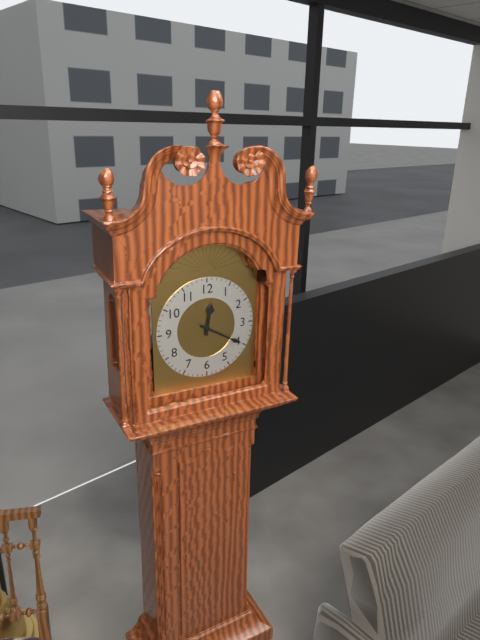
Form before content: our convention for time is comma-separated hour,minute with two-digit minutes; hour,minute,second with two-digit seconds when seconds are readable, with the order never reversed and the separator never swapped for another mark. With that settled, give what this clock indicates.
12,20
